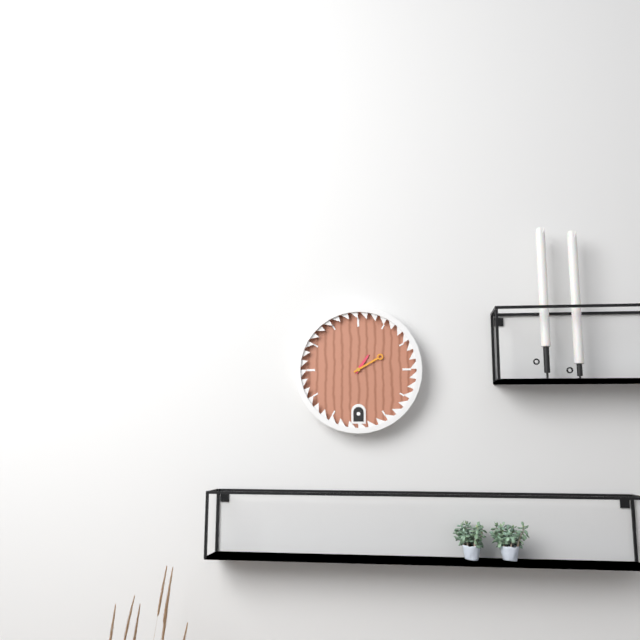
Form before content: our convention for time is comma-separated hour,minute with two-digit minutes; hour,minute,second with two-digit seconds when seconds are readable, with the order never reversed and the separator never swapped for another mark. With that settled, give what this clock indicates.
1,10
